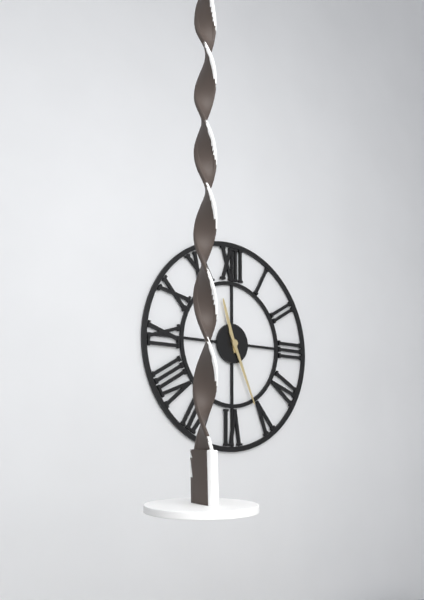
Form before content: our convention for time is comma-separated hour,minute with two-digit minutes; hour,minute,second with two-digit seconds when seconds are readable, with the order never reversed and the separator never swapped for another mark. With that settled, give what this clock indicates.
11,26
